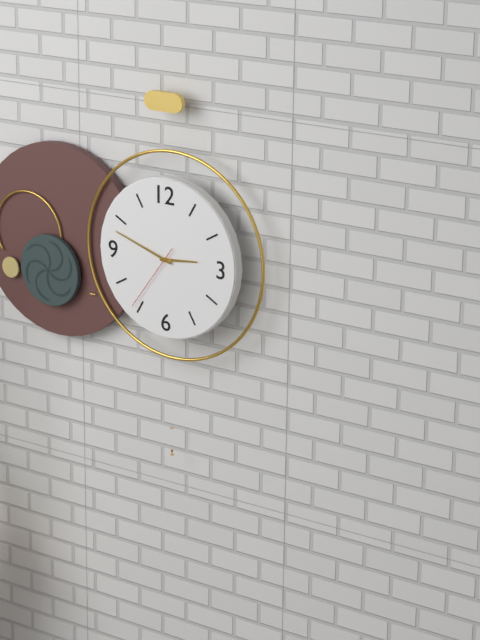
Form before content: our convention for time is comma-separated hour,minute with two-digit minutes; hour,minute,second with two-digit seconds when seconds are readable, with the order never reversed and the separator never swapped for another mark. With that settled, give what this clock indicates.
2,48,36
